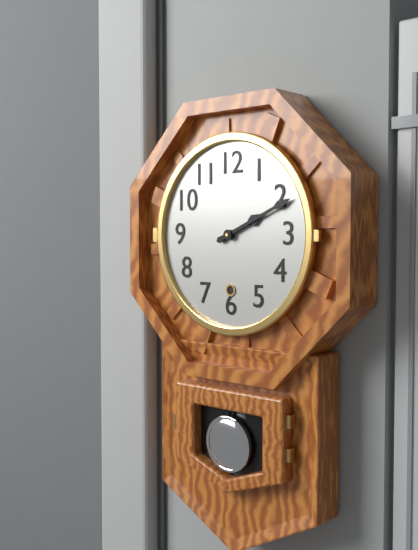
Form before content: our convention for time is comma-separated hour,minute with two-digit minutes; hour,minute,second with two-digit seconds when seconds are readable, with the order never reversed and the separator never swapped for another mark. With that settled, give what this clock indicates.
2,11
